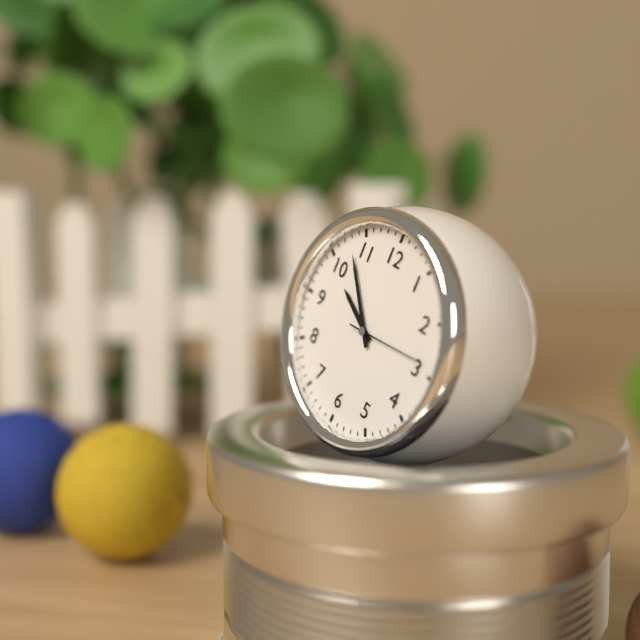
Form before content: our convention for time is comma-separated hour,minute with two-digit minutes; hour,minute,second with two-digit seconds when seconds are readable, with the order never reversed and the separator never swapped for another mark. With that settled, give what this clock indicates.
9,53,14
